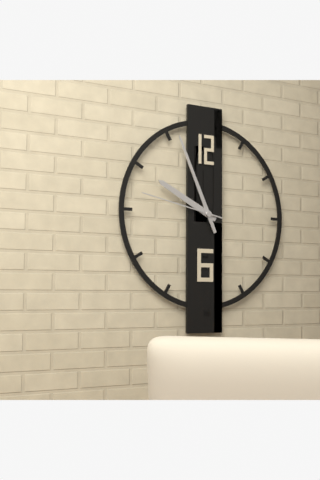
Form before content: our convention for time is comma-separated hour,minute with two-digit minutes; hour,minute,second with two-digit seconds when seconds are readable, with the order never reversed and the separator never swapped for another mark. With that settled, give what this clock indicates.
9,56,47
